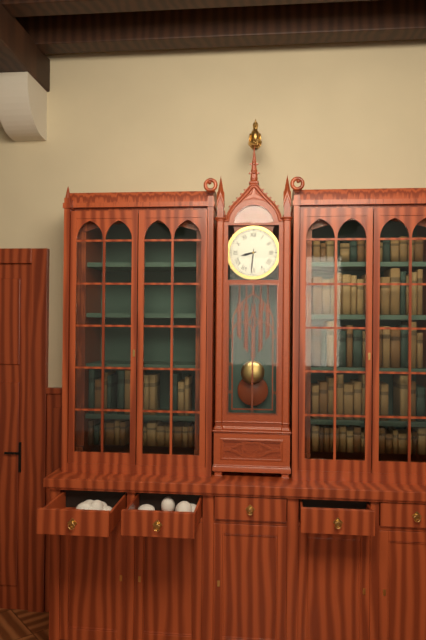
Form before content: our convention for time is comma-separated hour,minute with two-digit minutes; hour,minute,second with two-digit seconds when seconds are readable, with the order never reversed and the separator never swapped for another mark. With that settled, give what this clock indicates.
8,31
